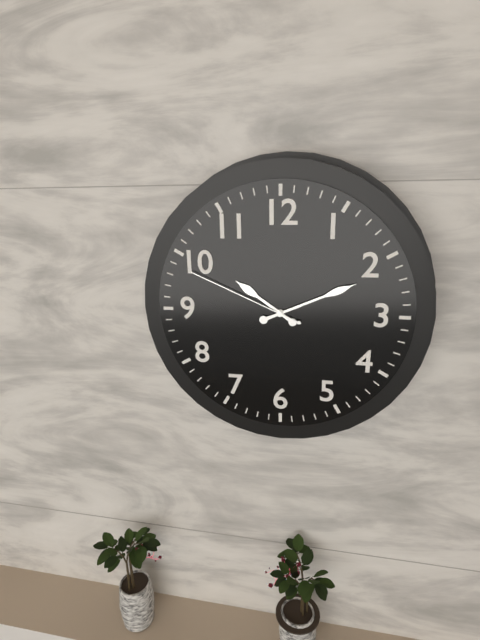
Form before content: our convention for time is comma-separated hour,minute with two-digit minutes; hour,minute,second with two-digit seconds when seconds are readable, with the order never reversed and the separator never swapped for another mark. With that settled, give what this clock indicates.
10,11,49
